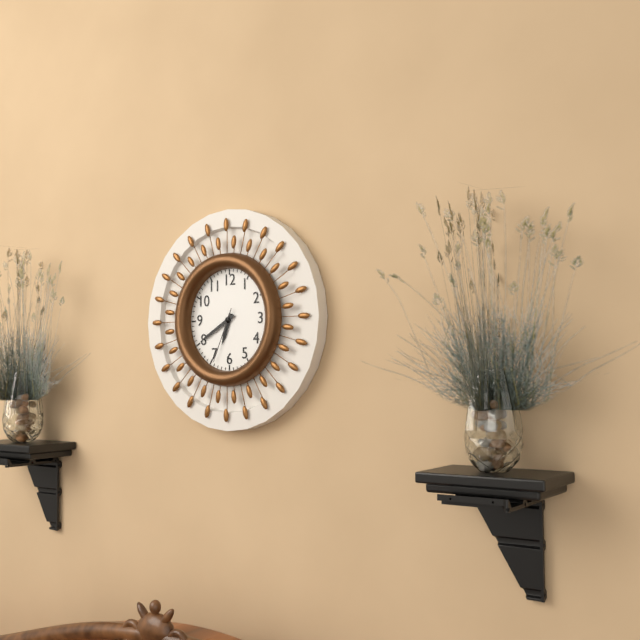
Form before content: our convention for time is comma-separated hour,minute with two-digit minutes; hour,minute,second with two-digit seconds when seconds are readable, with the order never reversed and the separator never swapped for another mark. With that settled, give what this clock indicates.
6,40,34
